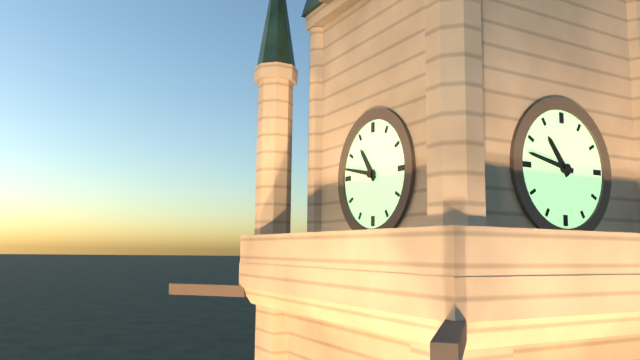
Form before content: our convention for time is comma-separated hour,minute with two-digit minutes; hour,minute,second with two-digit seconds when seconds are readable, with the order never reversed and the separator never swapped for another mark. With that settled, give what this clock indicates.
10,47
